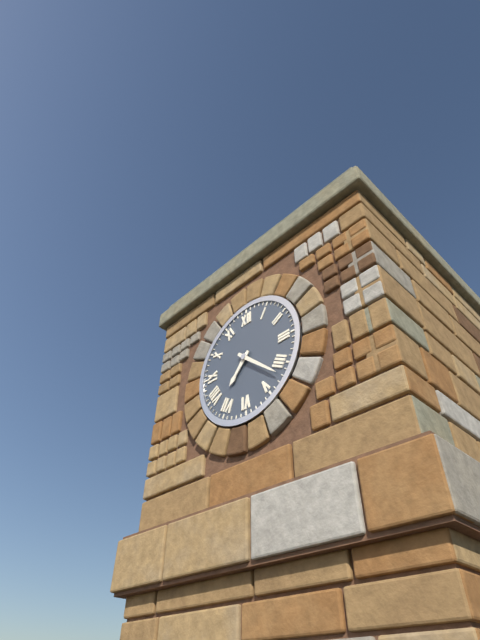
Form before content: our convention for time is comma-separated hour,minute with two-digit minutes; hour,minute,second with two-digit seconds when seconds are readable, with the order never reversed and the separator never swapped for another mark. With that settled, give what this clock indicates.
7,22
